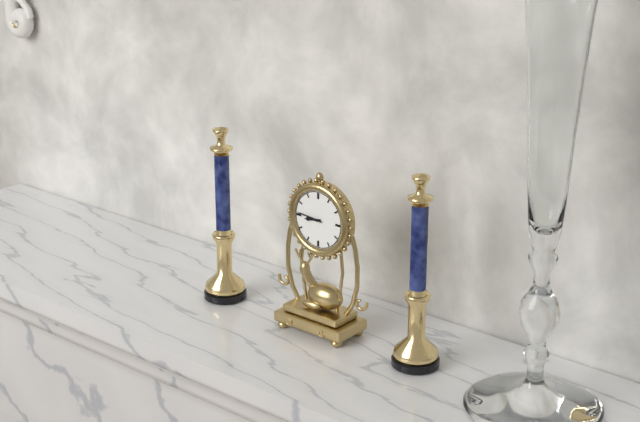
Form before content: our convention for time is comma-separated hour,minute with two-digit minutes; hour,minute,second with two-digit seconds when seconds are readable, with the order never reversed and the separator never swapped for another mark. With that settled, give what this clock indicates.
8,46
